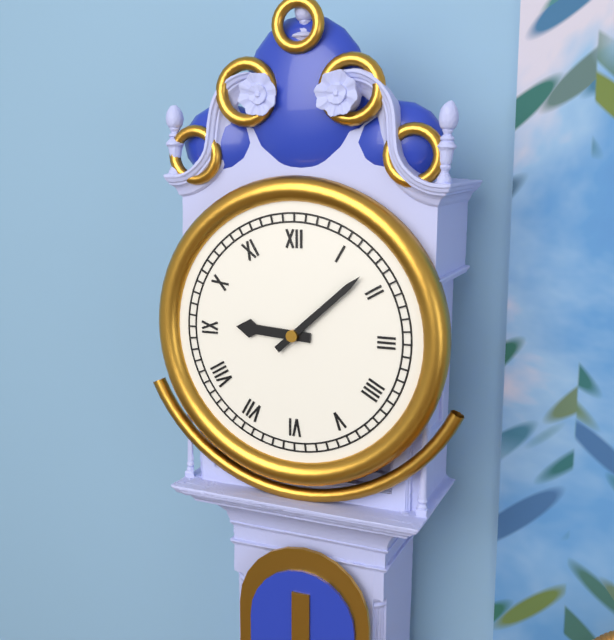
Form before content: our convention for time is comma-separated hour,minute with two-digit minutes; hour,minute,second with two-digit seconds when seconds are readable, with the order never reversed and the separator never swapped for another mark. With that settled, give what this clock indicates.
9,08
